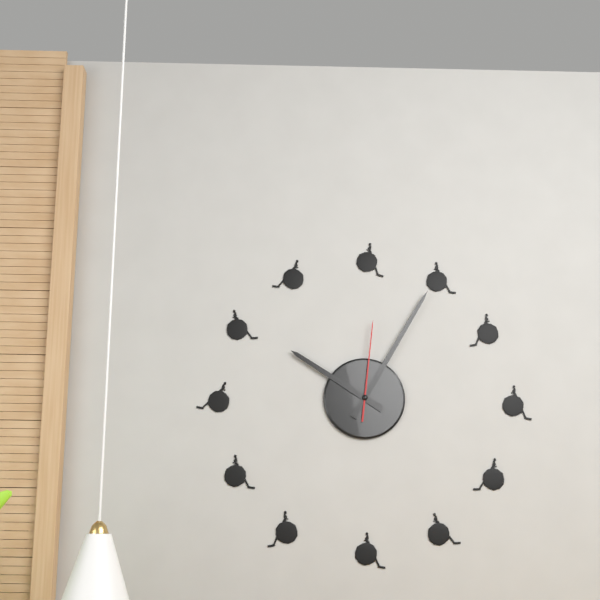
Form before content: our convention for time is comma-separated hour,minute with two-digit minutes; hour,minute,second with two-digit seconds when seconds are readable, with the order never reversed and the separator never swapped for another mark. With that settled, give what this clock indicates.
10,05,01
